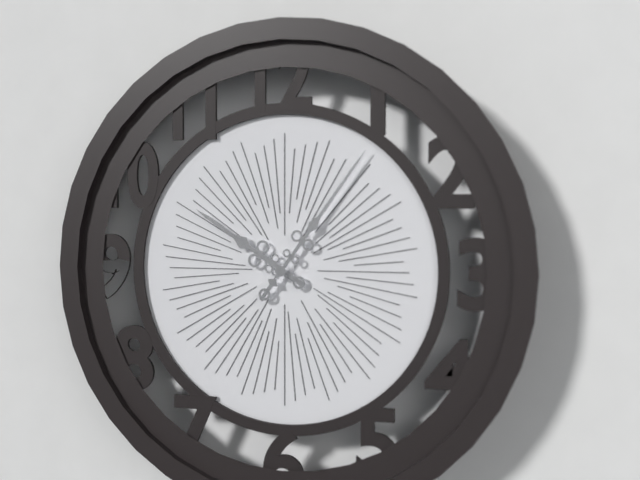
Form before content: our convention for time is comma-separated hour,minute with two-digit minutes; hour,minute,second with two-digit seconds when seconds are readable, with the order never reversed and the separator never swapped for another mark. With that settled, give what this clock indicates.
10,06
